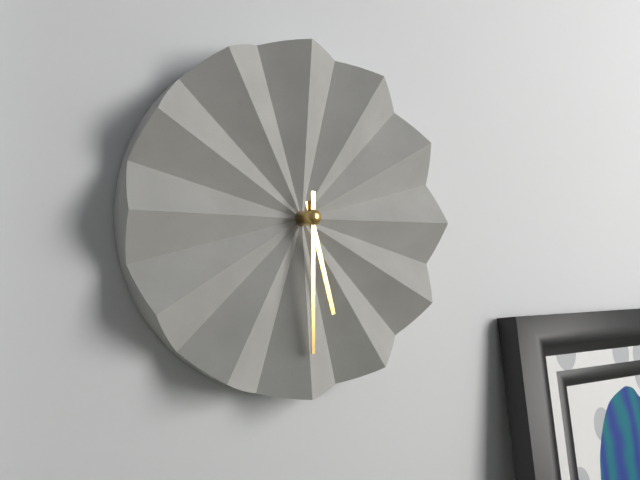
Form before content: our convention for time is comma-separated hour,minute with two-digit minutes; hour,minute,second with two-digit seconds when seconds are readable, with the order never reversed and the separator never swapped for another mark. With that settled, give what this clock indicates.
5,30
